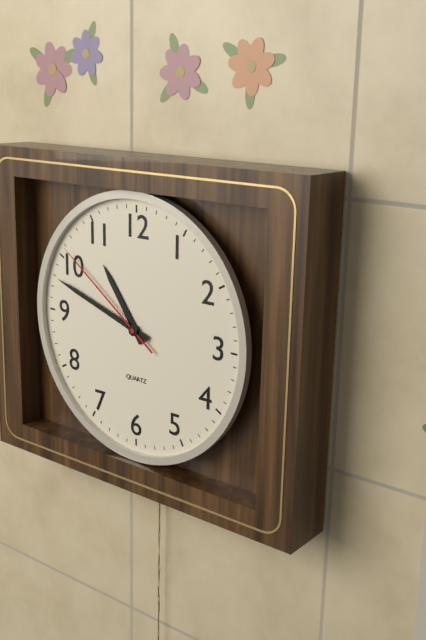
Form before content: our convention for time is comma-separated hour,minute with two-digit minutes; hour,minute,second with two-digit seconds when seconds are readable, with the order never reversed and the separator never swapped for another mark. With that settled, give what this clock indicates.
10,48,51
